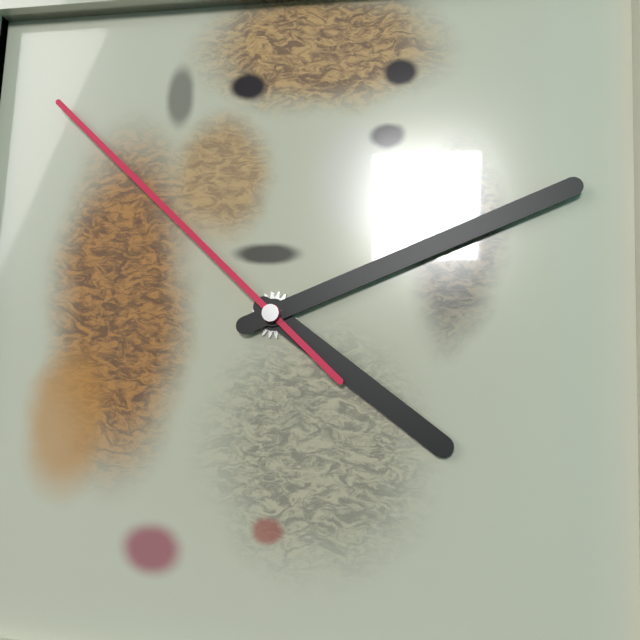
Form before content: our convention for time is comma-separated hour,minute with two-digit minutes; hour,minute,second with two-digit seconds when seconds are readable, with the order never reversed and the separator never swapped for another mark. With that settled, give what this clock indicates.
4,11,52
